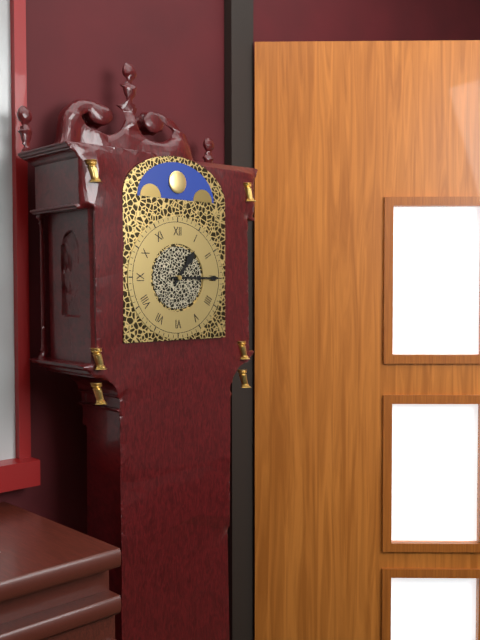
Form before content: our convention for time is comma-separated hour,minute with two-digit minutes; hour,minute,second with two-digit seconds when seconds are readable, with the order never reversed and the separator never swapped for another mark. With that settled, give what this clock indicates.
1,15
